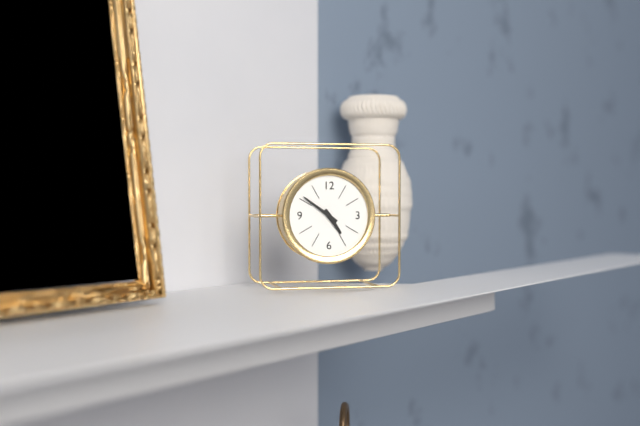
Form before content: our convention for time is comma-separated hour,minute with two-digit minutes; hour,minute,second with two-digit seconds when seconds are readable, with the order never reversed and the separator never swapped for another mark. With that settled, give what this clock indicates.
4,51
